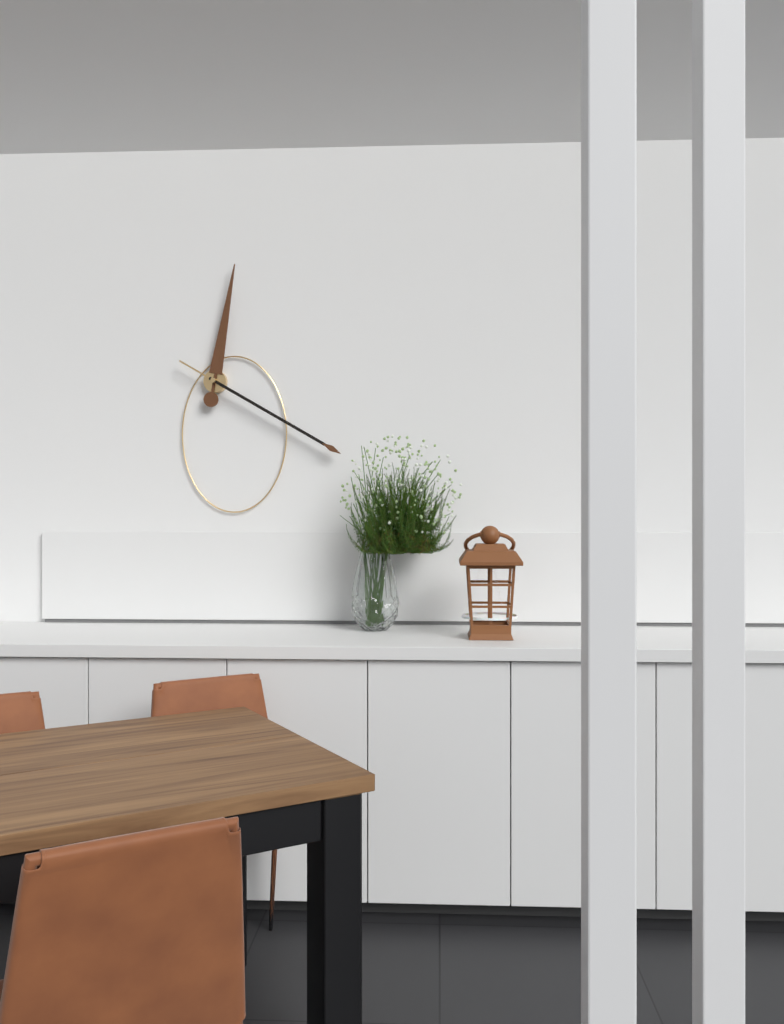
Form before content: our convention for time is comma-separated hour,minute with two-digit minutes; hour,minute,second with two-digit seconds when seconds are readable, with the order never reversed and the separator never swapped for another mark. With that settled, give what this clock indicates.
12,20
